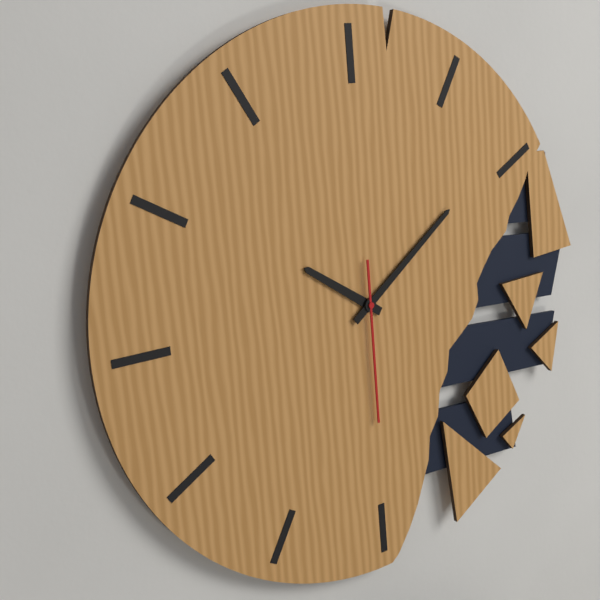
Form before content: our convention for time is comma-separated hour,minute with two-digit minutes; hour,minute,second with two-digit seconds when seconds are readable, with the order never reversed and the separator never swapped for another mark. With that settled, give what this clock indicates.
10,09,30
